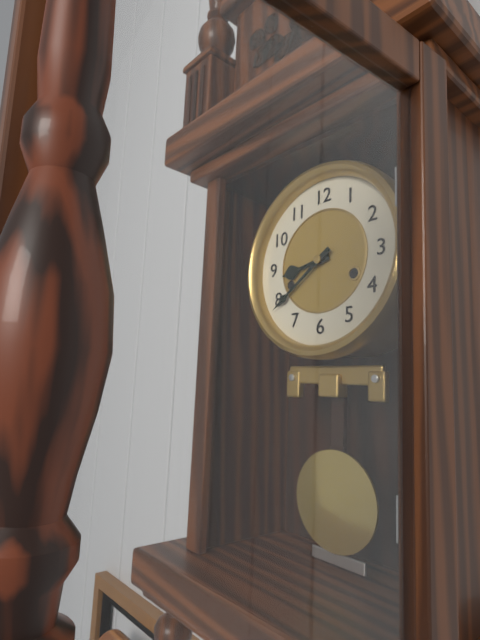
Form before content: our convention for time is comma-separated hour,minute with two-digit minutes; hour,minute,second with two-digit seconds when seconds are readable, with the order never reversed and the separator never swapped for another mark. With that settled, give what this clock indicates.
8,39
